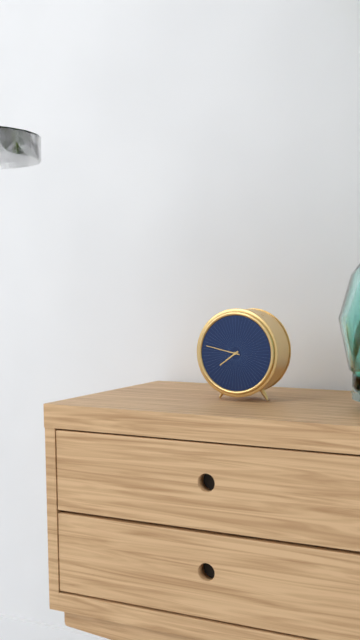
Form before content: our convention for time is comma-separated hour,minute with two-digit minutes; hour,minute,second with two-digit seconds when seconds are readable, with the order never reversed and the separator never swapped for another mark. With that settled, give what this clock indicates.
7,47
